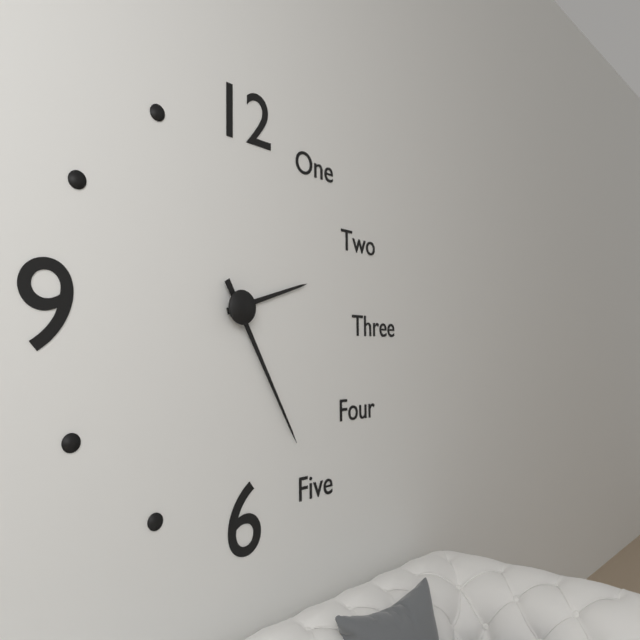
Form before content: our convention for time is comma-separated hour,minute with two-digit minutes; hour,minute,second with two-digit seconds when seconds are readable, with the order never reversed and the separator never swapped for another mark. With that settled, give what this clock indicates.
2,25
